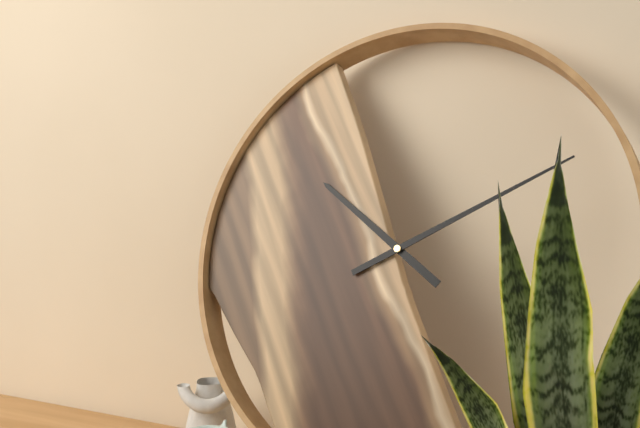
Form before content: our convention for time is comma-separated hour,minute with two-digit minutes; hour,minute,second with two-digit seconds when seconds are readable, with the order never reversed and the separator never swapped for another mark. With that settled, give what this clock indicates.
10,10
